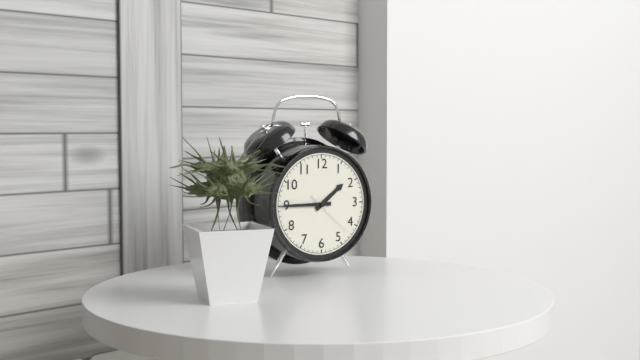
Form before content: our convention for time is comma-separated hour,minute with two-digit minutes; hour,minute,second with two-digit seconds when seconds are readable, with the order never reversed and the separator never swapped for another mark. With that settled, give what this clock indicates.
1,45
